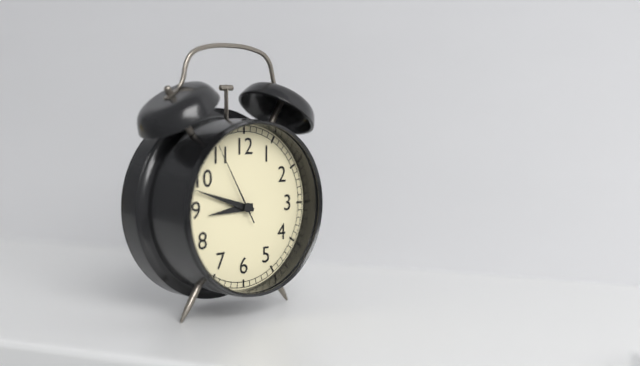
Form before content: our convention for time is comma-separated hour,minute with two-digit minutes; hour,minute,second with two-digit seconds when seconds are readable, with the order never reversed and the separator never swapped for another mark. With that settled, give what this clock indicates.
8,48,55
